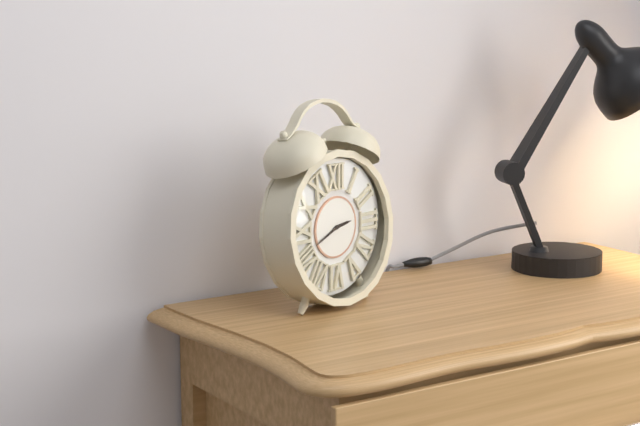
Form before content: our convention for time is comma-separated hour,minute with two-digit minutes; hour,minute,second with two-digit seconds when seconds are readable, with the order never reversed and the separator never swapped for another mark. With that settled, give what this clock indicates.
2,41
